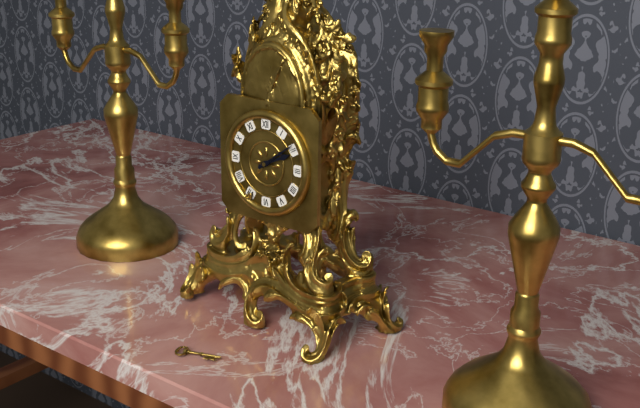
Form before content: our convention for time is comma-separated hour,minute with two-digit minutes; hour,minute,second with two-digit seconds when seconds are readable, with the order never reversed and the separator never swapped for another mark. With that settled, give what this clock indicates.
2,09
